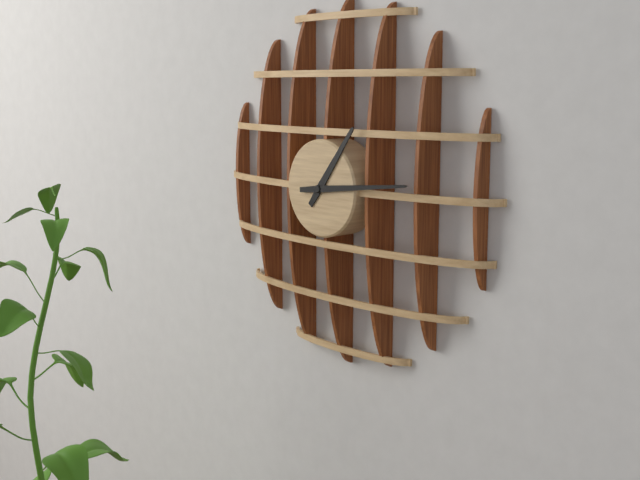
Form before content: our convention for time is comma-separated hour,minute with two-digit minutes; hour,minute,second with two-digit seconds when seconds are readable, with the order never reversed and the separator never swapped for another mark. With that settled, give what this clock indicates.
1,14
